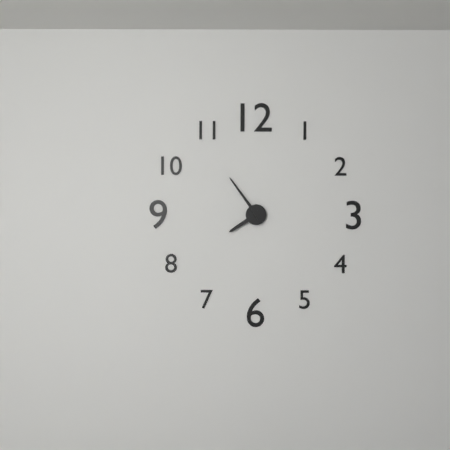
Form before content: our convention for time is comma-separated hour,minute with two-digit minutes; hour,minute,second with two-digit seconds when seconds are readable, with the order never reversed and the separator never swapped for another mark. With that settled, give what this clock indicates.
7,54
